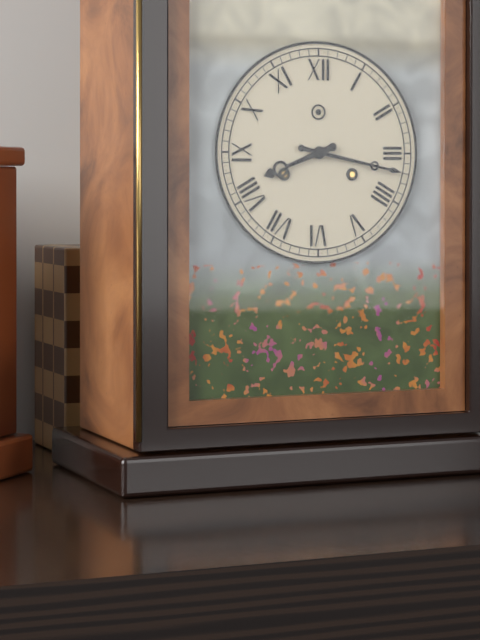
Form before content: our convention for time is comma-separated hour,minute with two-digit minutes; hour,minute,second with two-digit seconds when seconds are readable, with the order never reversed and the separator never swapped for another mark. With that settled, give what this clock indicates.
8,17
